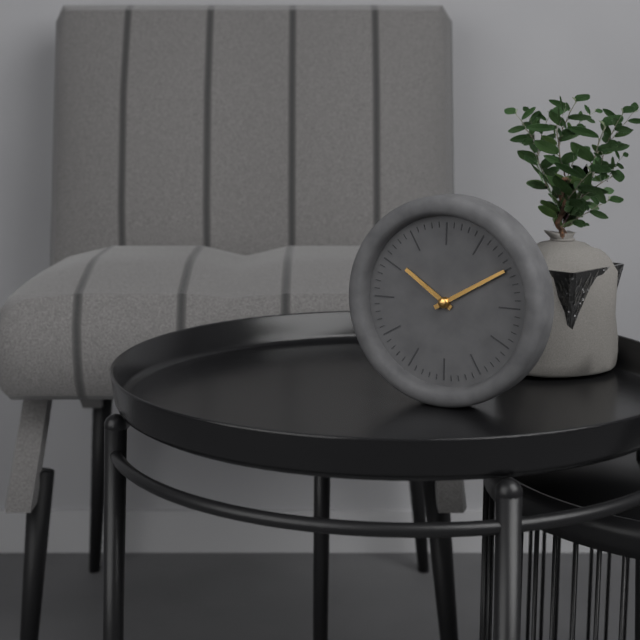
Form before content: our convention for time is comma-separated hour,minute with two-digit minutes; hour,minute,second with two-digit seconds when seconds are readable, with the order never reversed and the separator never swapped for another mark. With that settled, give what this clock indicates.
10,10
